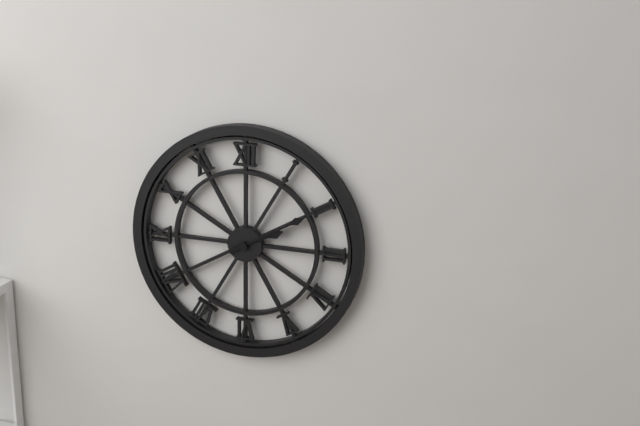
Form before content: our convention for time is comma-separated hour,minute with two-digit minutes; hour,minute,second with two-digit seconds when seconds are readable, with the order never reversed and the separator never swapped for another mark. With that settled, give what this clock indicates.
2,10
